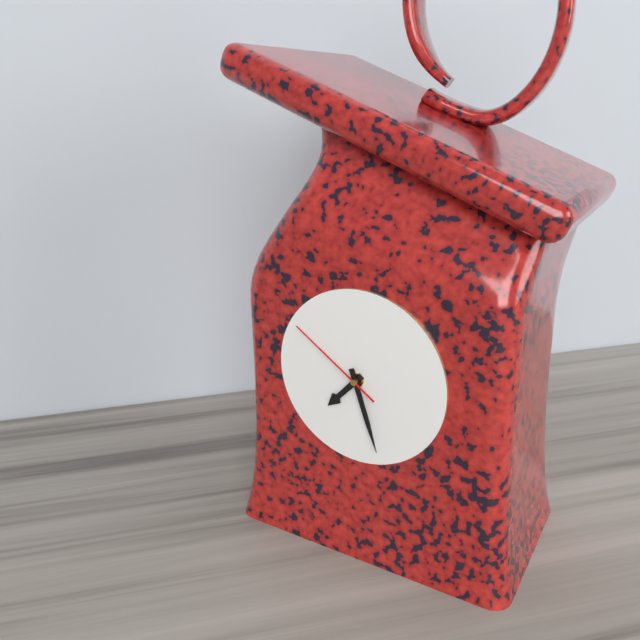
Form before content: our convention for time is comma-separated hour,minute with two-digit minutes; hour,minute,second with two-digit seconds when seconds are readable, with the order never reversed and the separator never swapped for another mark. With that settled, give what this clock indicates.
7,27,51
